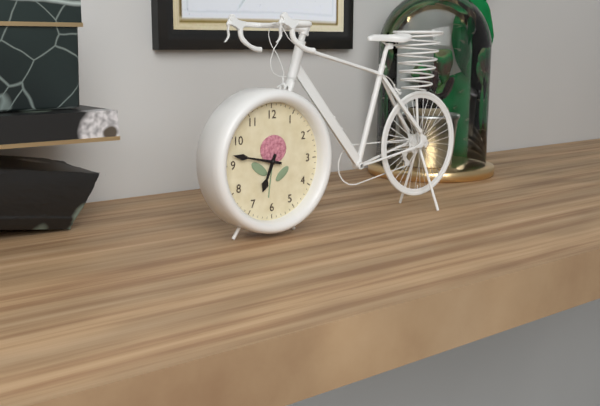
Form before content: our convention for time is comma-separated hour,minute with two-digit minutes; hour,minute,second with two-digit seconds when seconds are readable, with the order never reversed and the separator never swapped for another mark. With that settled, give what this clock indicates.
6,47
